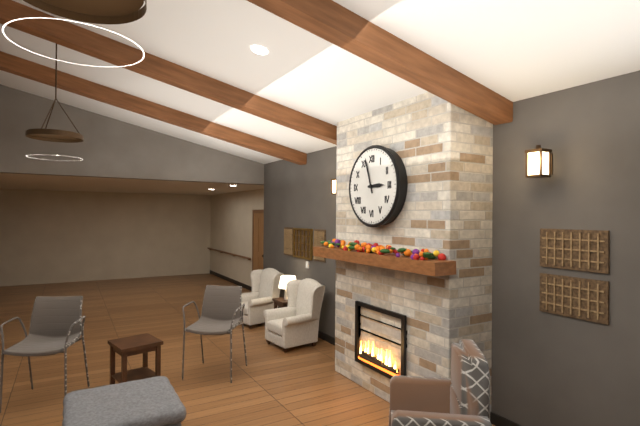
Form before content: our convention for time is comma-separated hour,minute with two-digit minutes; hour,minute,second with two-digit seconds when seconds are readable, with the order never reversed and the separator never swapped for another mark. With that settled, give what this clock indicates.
2,57
